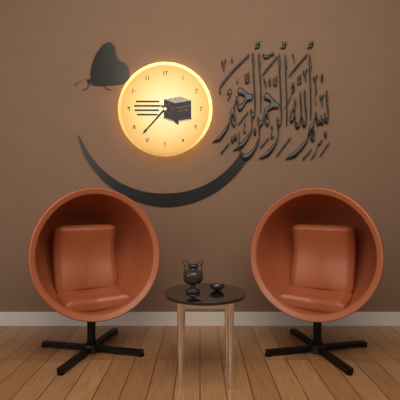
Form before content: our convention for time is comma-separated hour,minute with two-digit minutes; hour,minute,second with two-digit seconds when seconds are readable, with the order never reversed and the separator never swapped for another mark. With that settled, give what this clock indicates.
4,37
